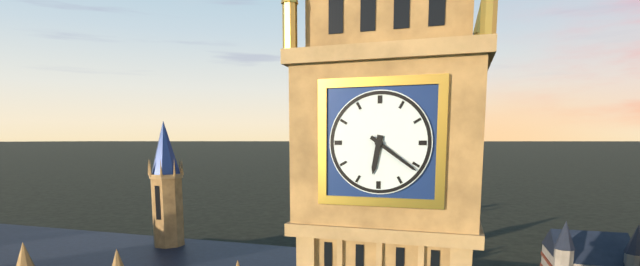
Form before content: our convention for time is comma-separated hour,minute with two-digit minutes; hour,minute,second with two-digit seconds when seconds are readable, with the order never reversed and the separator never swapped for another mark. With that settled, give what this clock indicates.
6,21
